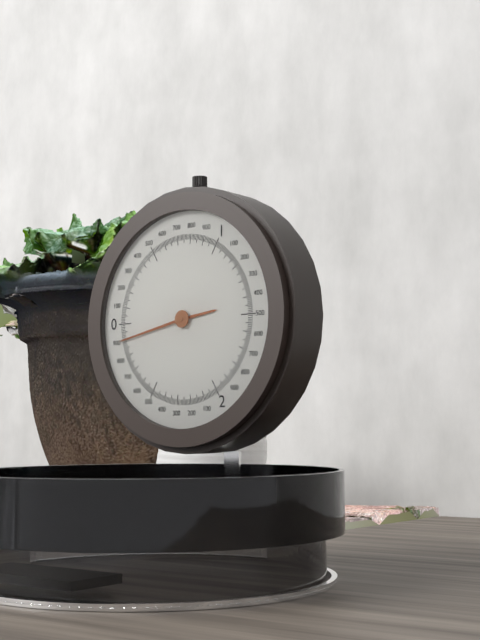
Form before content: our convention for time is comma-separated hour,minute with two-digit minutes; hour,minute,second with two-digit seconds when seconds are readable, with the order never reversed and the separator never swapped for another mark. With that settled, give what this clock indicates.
2,43
